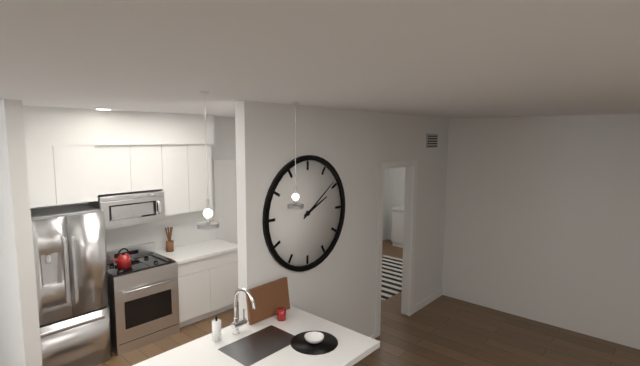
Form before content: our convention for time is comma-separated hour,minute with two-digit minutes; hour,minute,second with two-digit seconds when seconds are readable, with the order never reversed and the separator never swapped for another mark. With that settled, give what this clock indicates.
2,09
